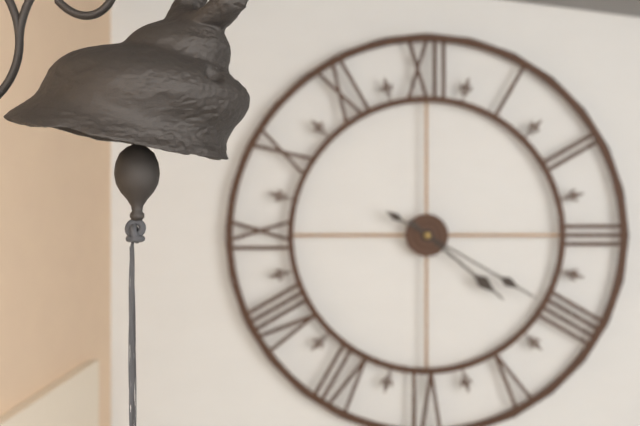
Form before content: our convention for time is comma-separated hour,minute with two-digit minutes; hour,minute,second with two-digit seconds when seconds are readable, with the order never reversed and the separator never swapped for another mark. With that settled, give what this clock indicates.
4,20
